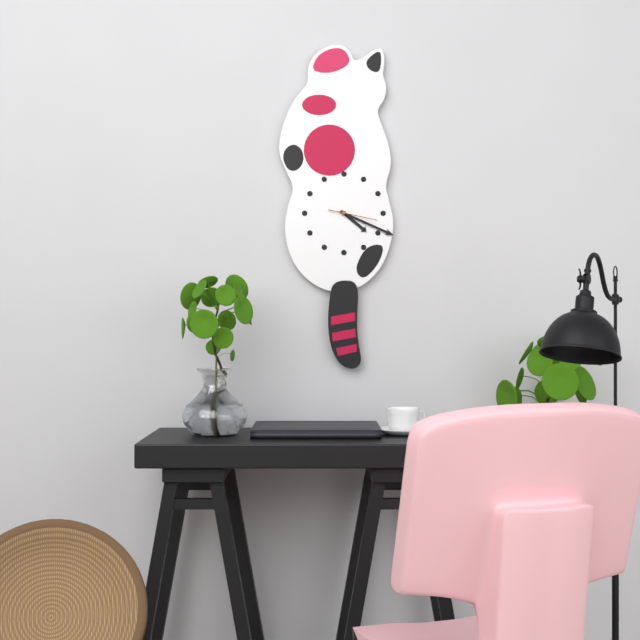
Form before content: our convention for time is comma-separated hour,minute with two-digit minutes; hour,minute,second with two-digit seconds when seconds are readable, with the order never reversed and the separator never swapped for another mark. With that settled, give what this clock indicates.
4,19
